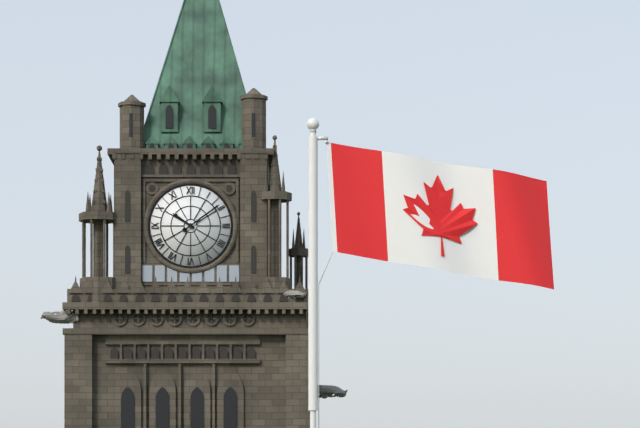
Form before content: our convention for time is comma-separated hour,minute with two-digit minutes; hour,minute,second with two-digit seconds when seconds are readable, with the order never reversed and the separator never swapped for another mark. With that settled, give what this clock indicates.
10,09
